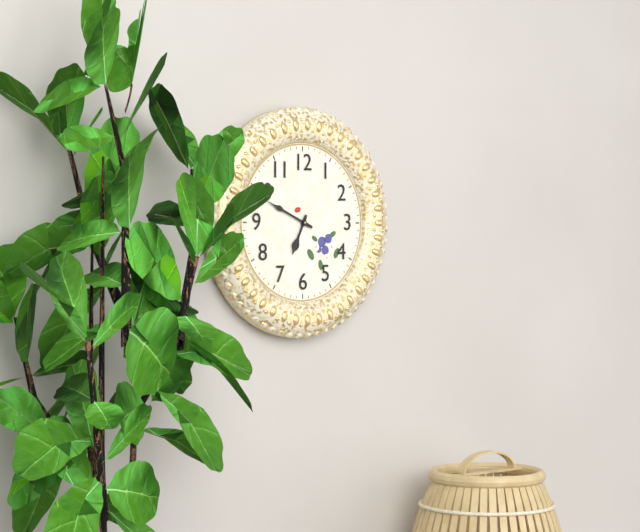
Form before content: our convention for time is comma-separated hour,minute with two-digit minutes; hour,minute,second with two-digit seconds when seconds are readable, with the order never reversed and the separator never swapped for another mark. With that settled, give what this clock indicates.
6,49
